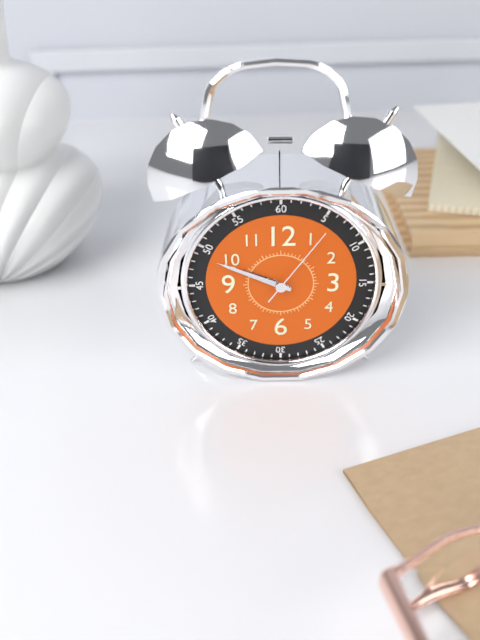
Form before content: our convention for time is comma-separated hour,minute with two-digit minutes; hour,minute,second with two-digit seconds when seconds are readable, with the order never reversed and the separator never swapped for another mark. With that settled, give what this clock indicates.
9,49,06
